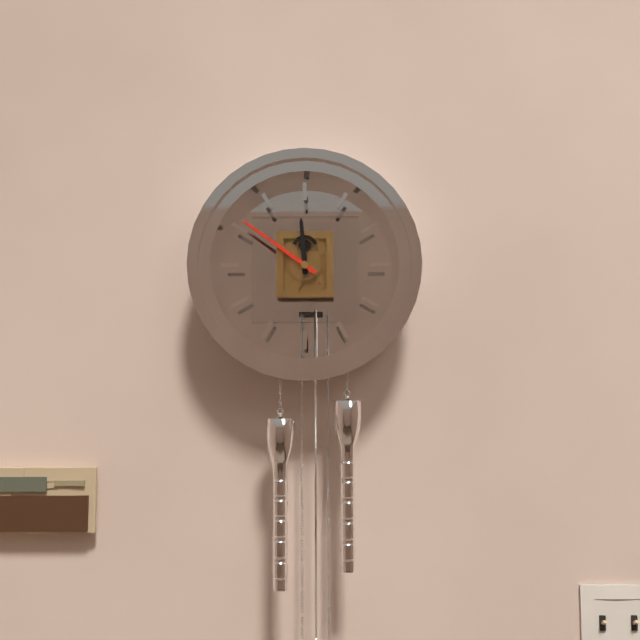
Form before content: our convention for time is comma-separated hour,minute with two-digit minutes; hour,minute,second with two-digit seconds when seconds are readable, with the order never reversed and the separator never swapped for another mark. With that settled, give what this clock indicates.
11,51
